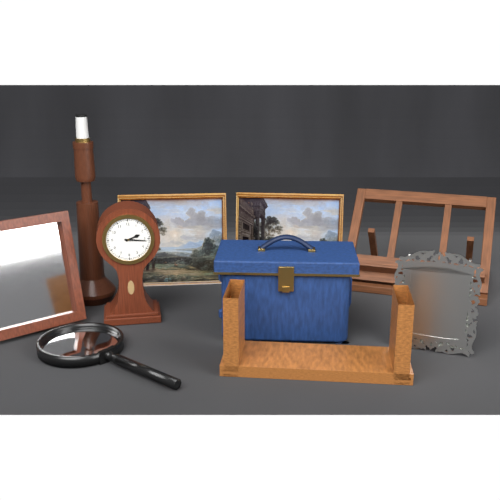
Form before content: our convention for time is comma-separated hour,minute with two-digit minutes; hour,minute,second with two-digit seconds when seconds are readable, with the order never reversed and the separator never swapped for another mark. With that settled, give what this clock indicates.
2,16
